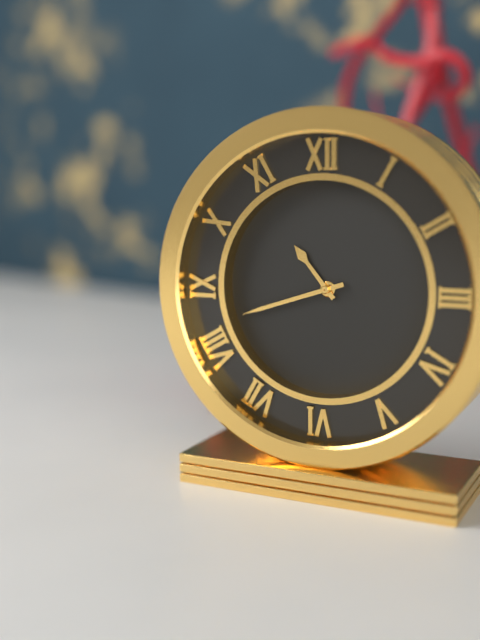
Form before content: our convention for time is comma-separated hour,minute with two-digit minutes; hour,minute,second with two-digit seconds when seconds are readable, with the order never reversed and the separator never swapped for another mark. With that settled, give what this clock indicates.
10,42
